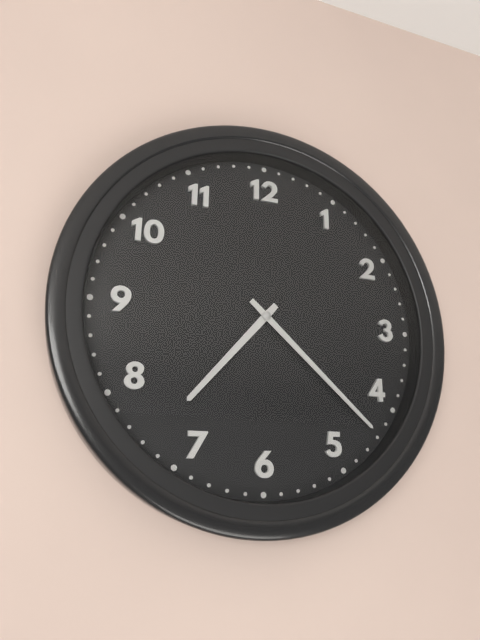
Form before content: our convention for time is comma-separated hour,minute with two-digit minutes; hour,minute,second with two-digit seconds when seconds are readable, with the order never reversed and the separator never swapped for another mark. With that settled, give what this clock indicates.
7,22
